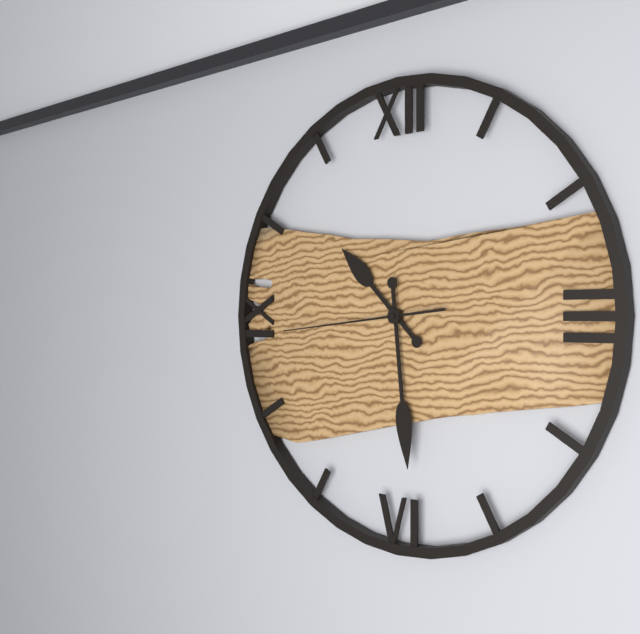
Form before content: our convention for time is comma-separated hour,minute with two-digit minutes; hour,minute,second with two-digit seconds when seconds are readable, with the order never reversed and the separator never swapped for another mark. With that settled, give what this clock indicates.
10,29,44
